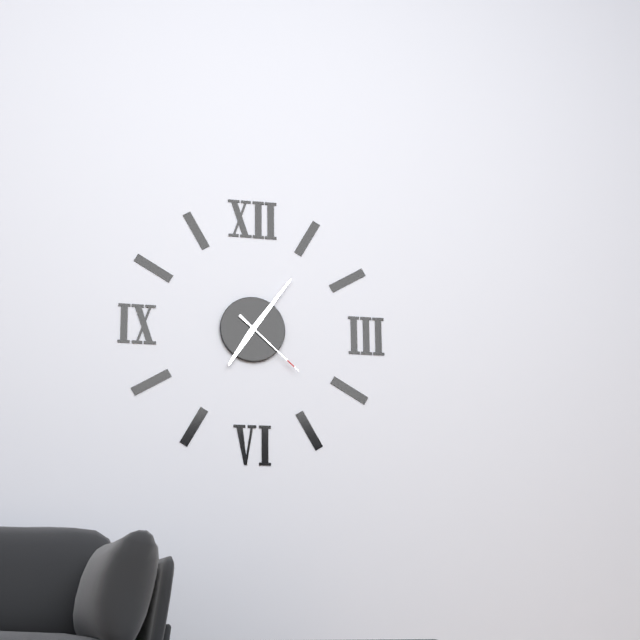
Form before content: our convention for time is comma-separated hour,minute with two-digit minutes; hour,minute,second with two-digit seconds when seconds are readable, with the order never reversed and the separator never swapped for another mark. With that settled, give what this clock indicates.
7,06,22
